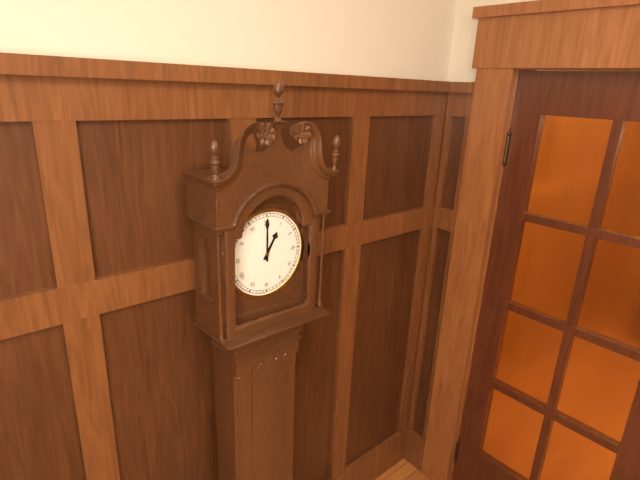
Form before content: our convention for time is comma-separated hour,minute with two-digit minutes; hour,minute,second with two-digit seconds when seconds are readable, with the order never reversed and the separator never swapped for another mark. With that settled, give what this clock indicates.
1,00
